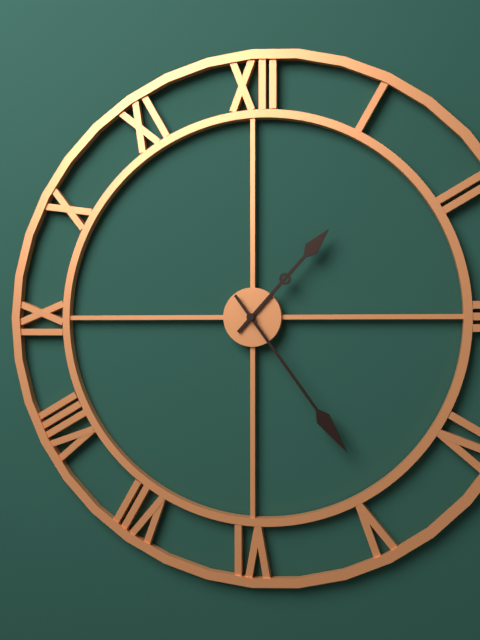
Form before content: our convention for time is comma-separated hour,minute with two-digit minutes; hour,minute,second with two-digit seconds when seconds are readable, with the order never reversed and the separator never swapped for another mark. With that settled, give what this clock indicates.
1,24
